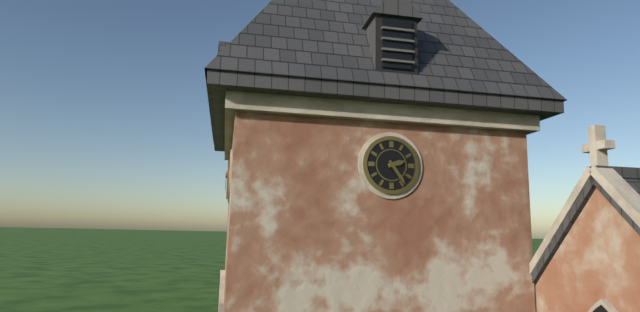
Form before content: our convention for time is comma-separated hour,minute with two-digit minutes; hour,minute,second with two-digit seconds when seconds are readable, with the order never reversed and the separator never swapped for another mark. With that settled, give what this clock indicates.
2,24
